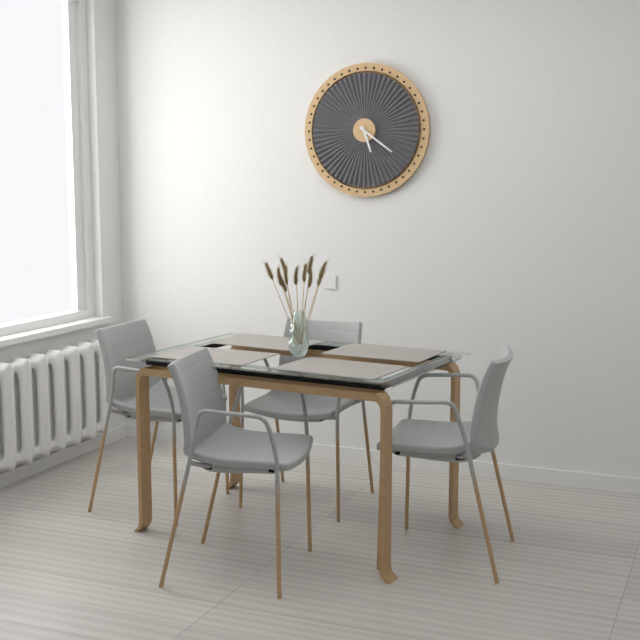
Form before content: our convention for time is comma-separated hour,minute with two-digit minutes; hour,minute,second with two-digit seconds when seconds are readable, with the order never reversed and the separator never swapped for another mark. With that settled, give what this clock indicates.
5,21
